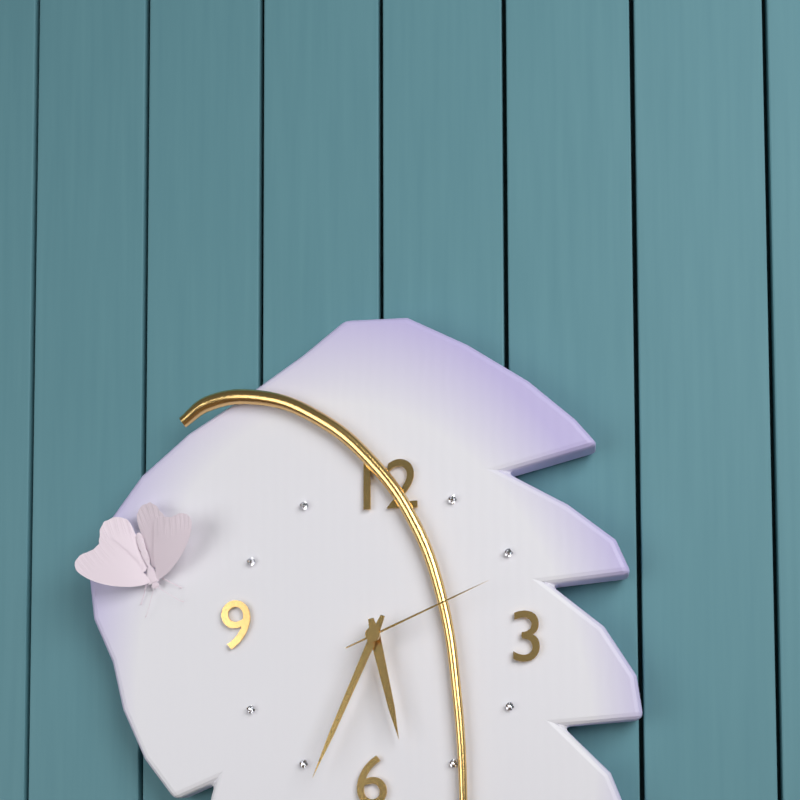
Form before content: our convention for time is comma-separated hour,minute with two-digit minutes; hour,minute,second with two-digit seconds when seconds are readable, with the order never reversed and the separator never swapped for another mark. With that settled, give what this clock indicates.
5,34,11
